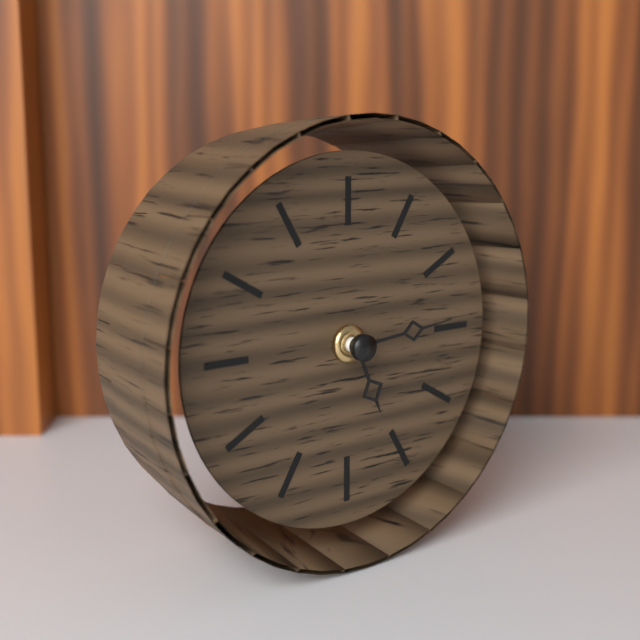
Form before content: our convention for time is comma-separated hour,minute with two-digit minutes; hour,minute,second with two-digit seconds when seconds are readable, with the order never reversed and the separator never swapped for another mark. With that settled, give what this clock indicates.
5,14
